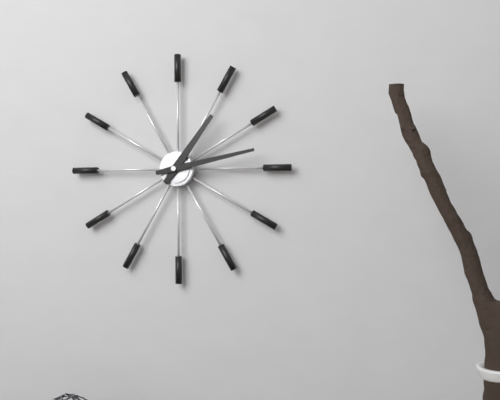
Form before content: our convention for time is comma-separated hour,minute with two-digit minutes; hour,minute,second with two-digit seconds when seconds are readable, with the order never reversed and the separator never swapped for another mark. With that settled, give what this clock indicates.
1,13
